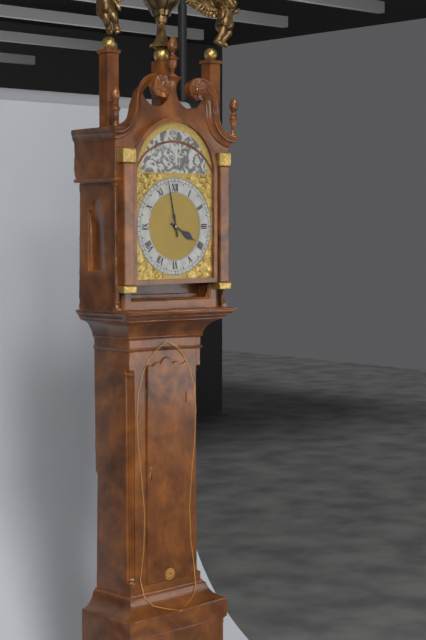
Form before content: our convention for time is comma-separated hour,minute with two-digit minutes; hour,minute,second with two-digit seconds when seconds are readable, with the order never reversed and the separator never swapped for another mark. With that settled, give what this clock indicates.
3,58
